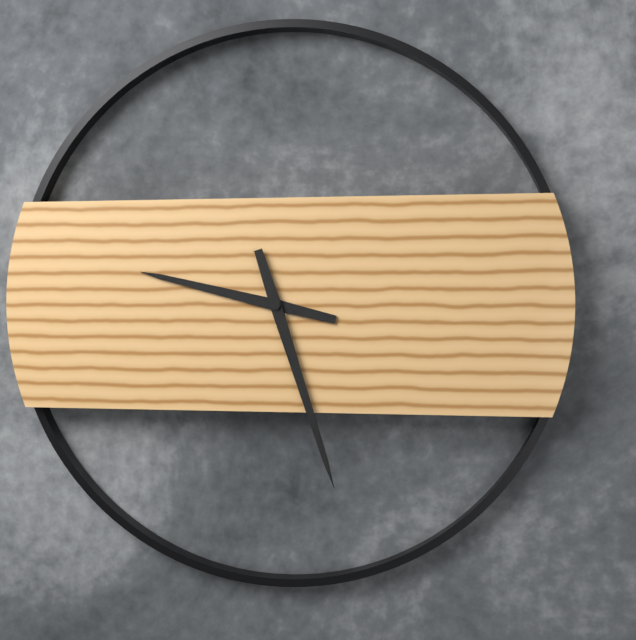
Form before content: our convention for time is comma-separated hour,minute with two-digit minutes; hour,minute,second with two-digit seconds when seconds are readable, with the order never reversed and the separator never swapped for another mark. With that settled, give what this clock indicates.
9,27
